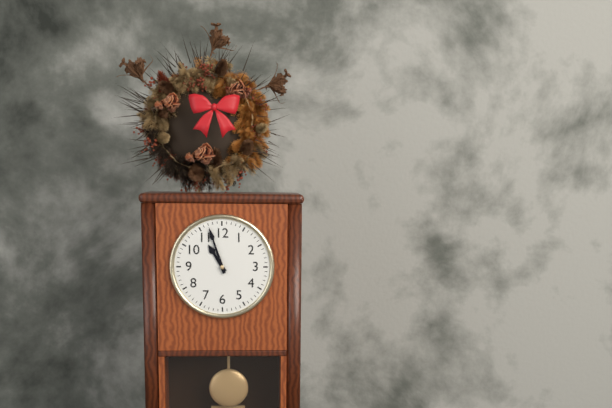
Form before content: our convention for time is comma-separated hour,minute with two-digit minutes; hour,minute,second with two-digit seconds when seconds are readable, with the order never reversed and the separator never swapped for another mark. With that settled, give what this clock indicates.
10,57
